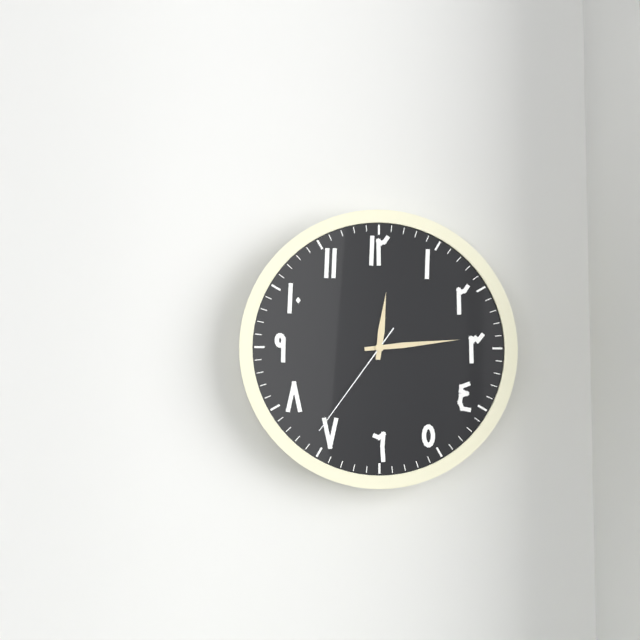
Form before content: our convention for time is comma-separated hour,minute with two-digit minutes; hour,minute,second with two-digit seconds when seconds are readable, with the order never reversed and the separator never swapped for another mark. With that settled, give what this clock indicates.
12,14,36
